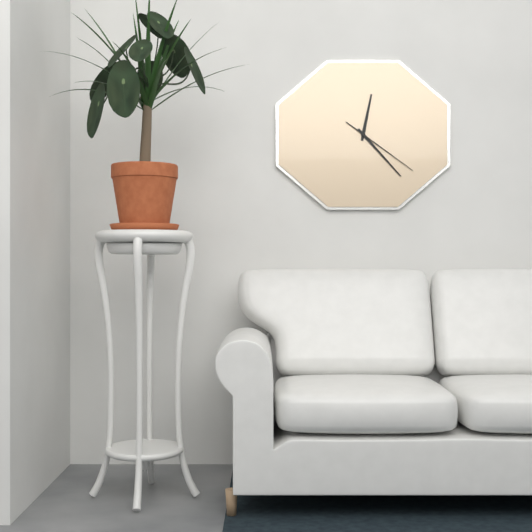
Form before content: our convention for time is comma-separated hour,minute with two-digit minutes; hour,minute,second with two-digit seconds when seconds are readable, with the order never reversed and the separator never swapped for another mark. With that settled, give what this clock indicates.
12,23,21
